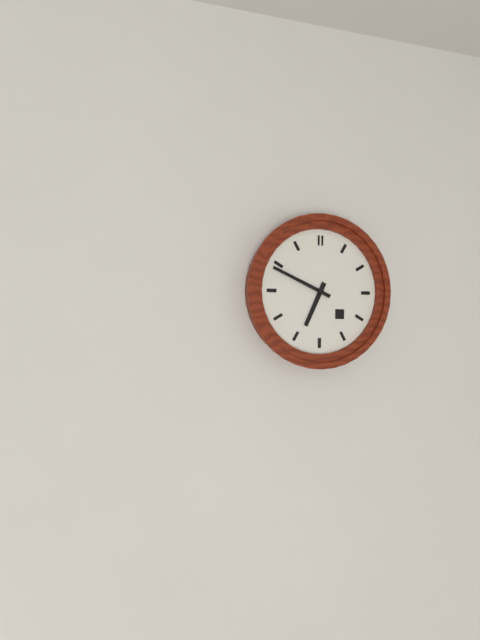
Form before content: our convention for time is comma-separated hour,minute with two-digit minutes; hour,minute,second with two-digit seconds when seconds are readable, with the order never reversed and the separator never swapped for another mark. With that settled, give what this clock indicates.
6,49
